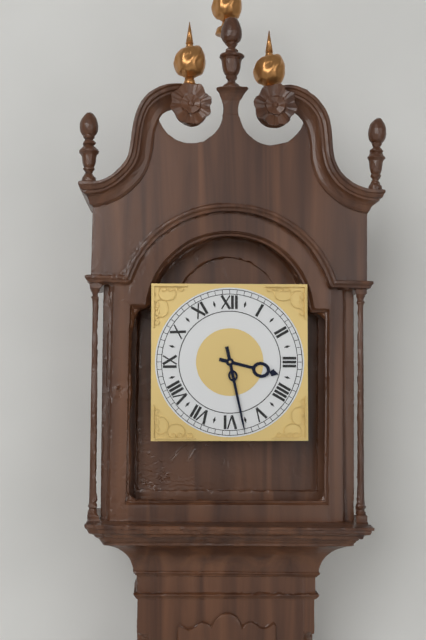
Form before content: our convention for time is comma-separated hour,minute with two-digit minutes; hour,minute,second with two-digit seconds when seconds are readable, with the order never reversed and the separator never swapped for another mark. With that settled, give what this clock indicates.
3,28
